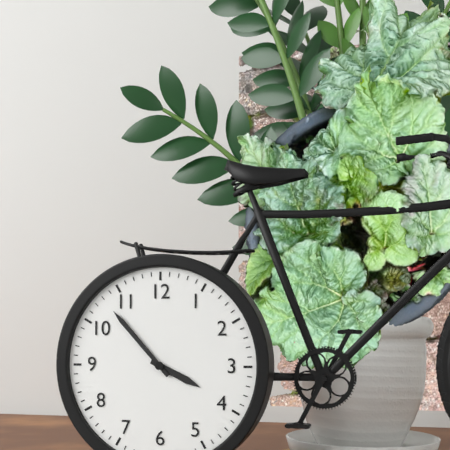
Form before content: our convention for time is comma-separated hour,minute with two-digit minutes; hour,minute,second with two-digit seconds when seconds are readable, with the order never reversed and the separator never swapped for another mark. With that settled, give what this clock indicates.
3,53
